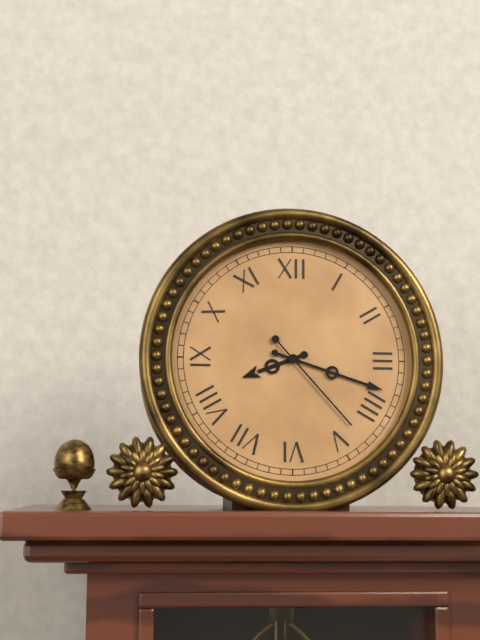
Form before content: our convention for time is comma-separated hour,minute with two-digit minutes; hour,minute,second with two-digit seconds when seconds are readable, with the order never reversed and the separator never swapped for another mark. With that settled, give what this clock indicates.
8,18,23
